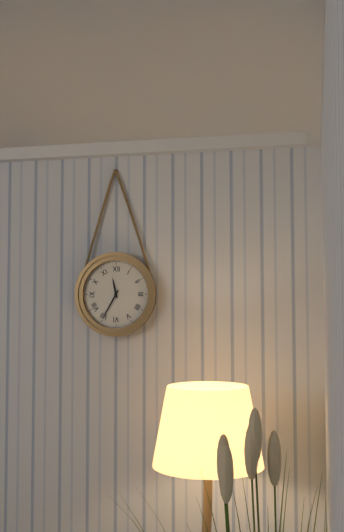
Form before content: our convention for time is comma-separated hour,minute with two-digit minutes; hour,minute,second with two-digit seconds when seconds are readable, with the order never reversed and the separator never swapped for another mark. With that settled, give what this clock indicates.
11,35
